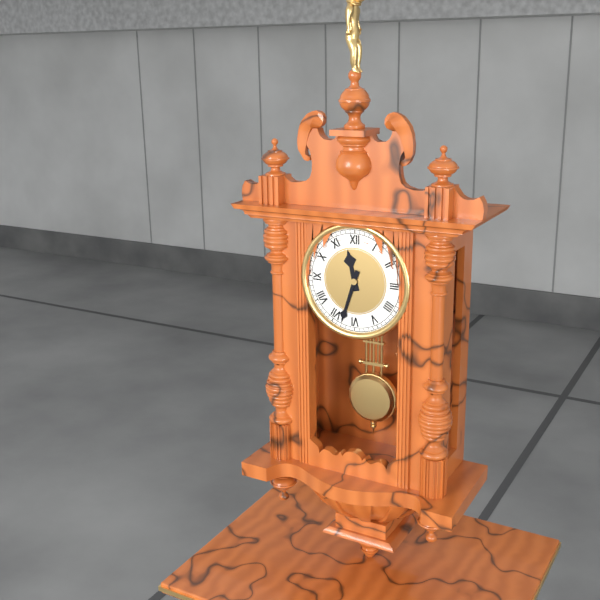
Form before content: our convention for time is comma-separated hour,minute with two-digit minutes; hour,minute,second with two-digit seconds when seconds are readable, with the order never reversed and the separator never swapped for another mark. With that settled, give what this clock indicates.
11,33
